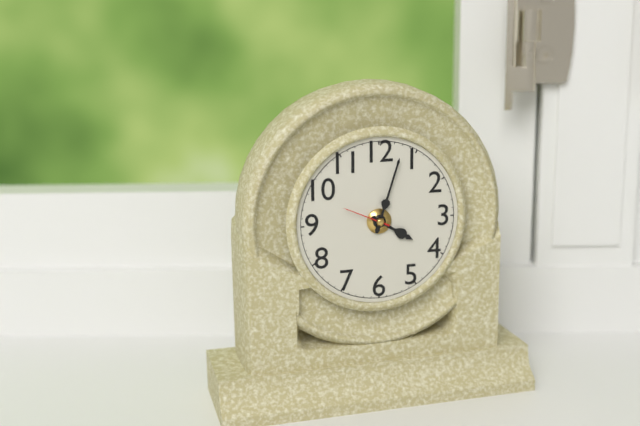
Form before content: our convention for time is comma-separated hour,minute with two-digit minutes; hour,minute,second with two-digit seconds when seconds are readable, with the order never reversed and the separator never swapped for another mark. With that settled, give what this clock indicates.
4,03,49
